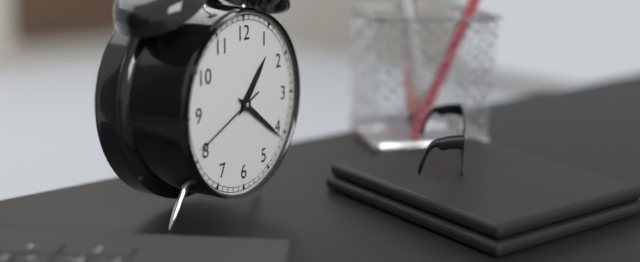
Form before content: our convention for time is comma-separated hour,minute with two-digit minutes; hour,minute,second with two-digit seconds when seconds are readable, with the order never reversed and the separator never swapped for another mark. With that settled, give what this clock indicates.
1,21,41
